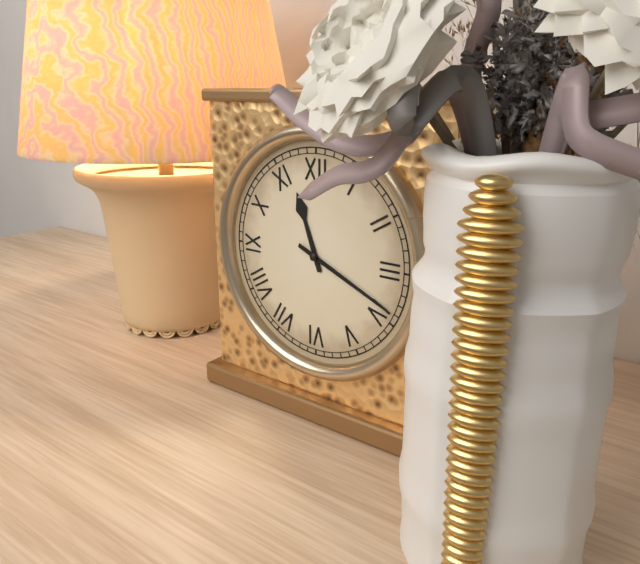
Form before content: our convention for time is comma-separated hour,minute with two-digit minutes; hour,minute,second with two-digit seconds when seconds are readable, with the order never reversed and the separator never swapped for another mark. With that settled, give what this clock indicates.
11,19
